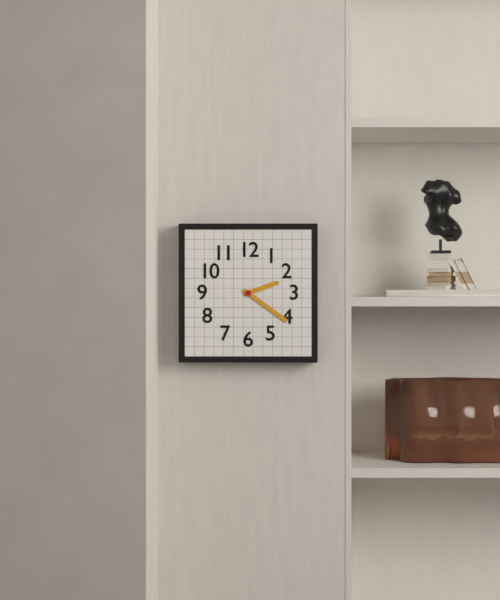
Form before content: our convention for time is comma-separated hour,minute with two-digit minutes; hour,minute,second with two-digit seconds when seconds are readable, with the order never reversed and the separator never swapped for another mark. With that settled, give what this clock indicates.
2,21
